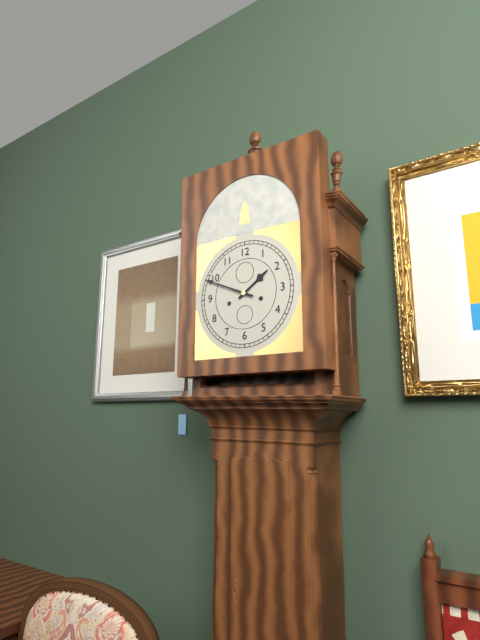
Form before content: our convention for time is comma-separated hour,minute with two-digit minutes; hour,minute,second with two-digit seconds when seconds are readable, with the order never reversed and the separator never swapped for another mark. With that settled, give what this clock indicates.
1,49
